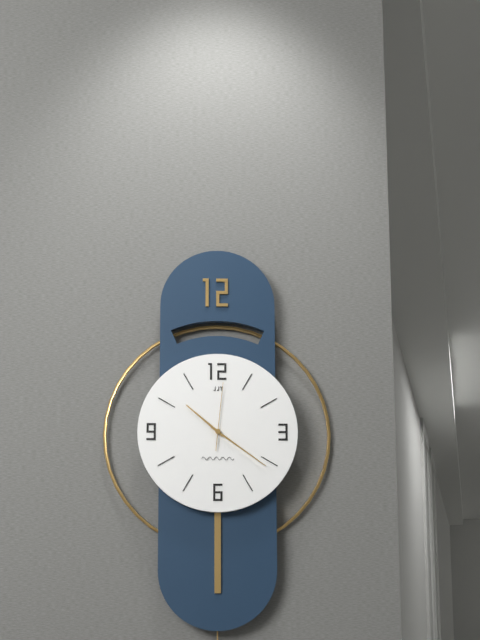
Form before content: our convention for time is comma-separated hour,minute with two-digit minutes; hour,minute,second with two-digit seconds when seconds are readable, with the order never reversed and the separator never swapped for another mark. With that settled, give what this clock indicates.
10,21,01
